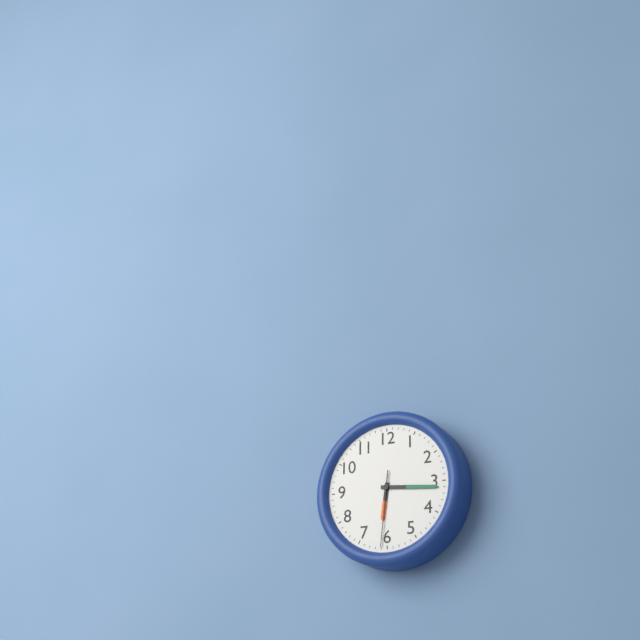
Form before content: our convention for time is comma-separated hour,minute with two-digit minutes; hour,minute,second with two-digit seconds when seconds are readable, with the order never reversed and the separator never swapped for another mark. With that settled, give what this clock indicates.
6,16,31
